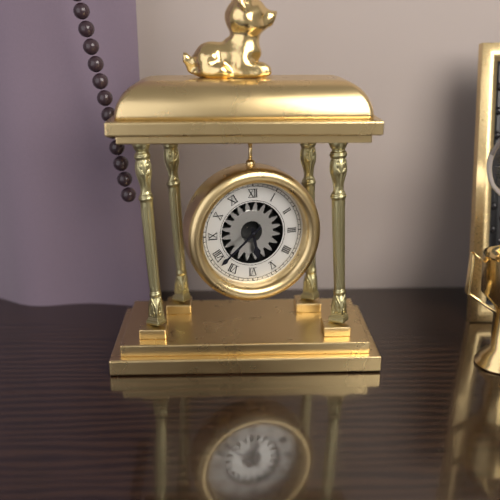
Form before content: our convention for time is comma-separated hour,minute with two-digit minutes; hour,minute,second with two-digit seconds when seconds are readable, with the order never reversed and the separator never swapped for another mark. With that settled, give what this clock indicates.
5,38
